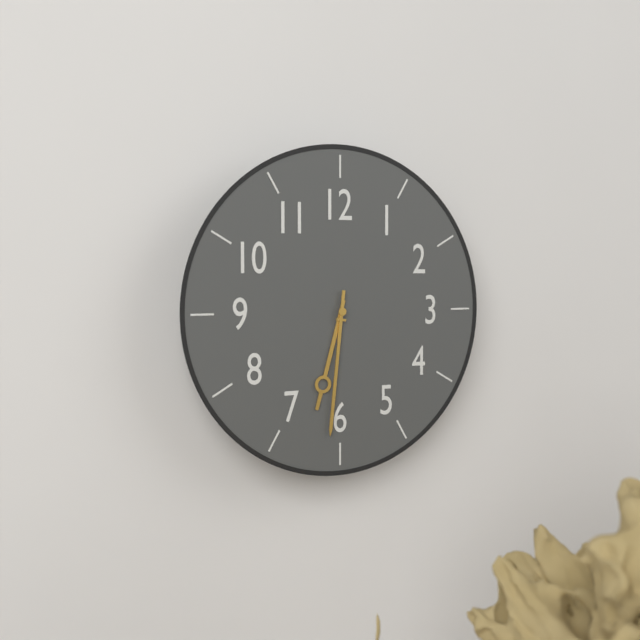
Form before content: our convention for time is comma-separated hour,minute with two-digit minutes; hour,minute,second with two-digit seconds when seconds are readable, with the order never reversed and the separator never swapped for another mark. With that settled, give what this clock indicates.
6,31
